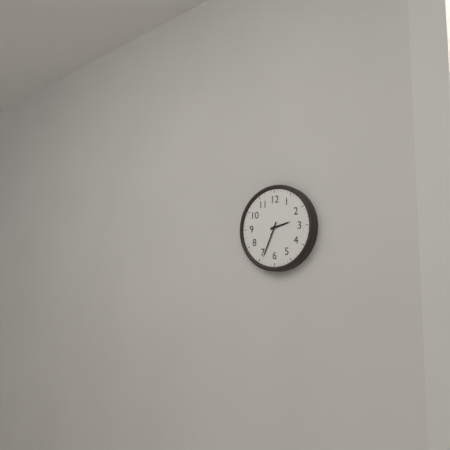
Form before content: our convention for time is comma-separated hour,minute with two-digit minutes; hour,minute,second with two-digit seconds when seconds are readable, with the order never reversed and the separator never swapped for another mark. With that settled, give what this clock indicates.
2,34
